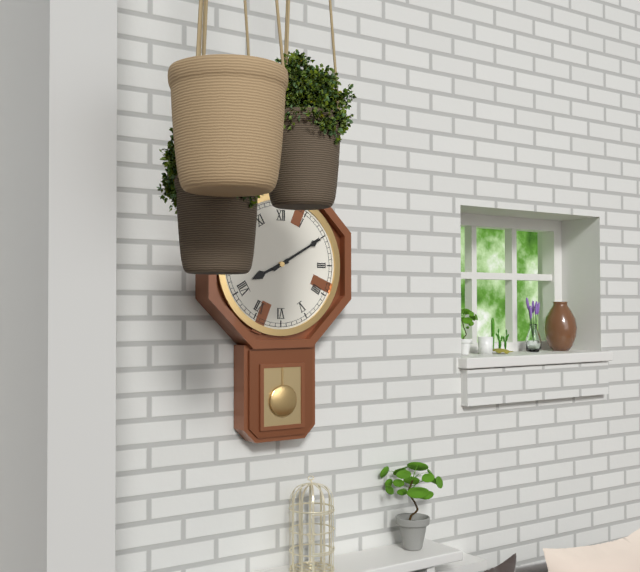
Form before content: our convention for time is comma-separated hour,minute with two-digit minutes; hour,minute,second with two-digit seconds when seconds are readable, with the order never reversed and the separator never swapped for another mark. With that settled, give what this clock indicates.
8,10
